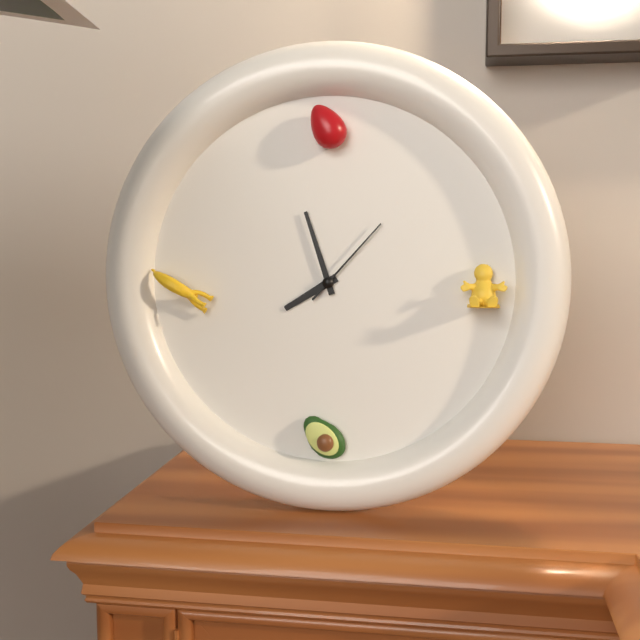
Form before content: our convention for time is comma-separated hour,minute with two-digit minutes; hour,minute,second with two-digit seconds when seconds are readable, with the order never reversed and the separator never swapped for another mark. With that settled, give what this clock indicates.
7,57,07
